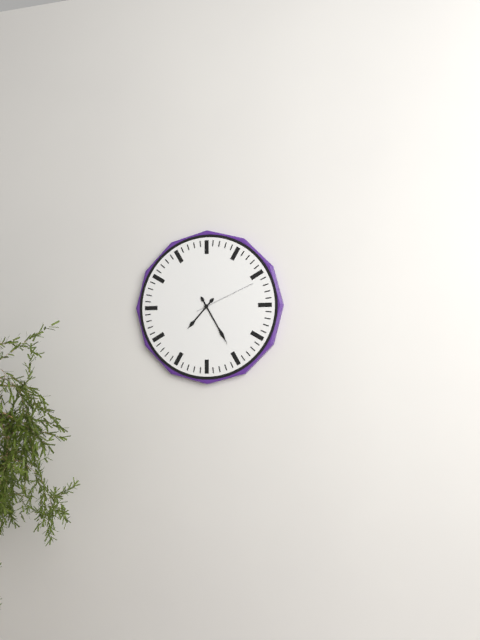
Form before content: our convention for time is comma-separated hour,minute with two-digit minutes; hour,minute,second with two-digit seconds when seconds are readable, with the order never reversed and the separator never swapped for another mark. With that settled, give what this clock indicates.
7,25,11
